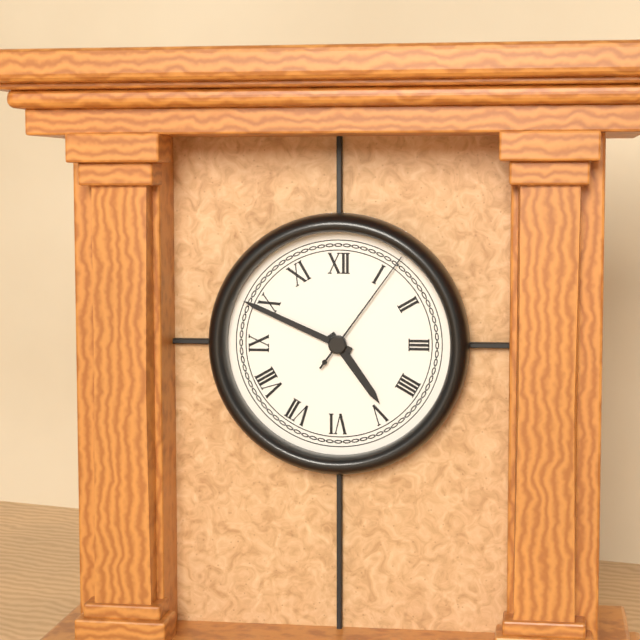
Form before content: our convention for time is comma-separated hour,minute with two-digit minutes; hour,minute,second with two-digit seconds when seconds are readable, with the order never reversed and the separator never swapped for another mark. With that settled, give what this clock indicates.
4,49,06
